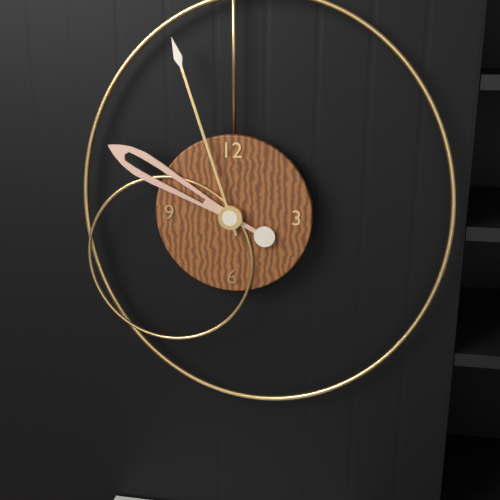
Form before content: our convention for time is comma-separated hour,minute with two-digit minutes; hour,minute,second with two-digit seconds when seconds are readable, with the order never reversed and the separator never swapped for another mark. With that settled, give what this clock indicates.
9,57
